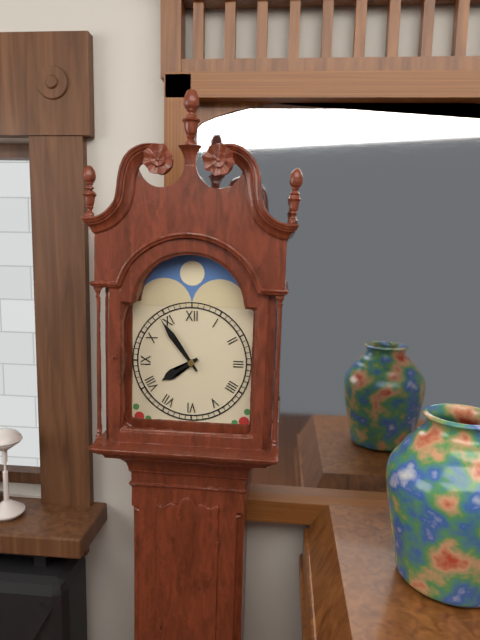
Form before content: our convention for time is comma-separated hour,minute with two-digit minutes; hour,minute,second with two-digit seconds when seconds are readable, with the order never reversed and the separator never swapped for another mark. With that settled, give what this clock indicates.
7,54
